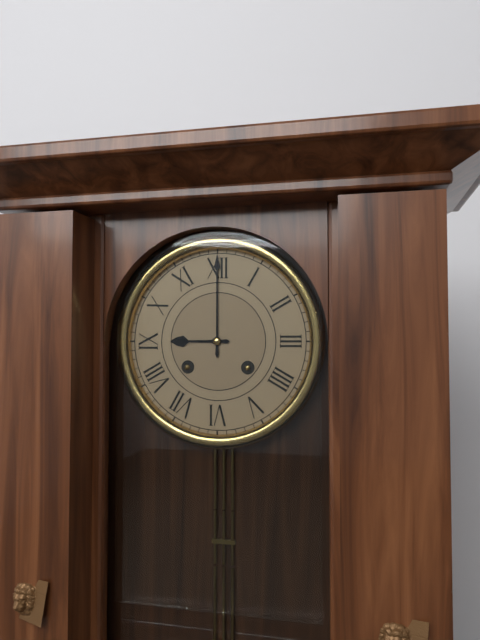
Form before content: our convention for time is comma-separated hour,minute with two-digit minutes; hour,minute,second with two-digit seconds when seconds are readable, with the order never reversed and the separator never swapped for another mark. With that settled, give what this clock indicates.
9,00
